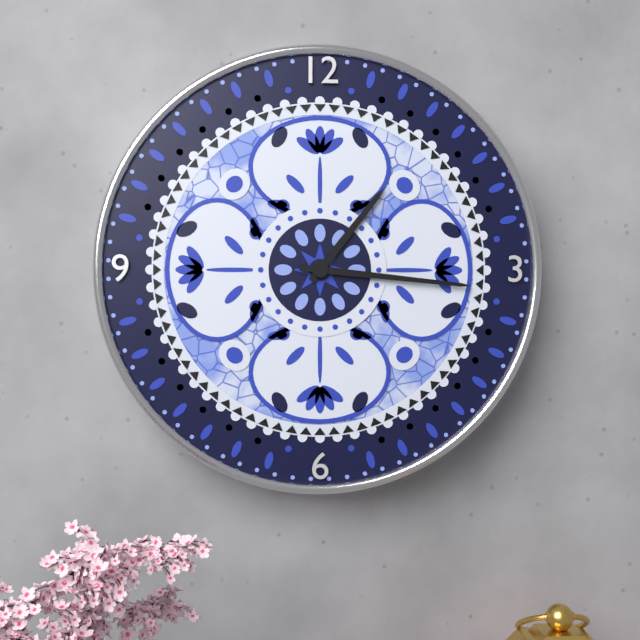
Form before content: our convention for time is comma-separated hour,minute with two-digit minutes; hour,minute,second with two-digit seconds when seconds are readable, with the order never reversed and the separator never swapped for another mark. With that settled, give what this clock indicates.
1,16
